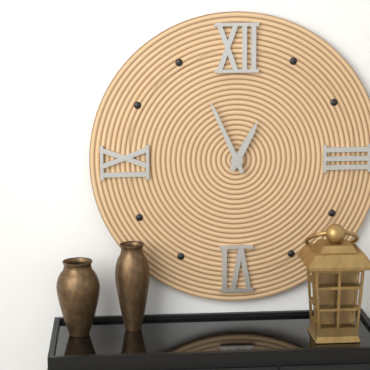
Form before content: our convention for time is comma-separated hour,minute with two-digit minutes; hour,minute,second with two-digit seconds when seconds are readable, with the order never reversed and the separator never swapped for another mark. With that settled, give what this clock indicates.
12,56
